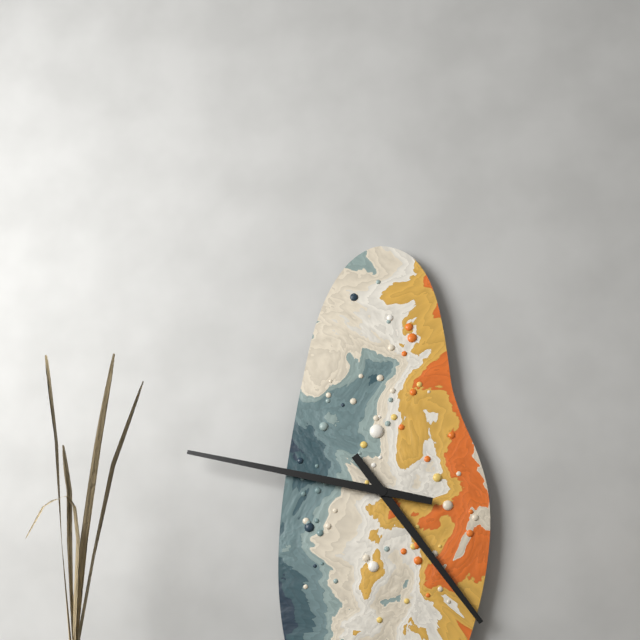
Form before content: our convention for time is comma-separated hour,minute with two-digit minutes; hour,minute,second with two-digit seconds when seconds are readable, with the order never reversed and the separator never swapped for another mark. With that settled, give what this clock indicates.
4,47
